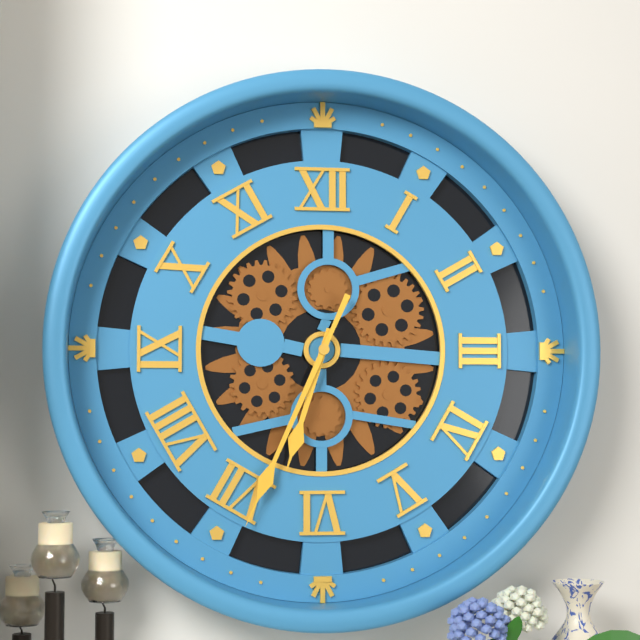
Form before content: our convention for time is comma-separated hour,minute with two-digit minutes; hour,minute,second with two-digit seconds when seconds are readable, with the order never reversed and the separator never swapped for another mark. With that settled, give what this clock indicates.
6,34
